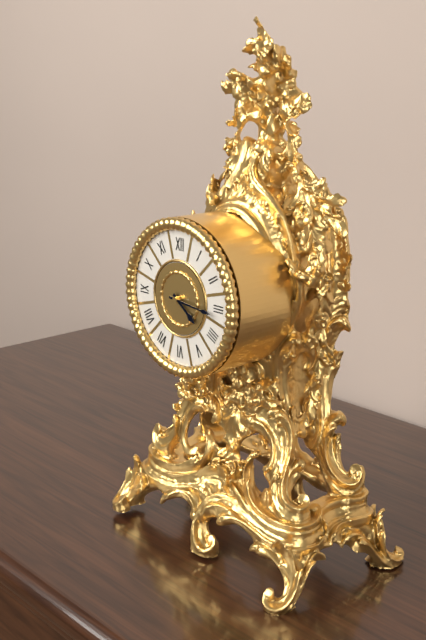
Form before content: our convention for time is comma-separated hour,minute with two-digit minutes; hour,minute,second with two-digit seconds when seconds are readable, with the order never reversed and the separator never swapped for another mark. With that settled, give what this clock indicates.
4,16
